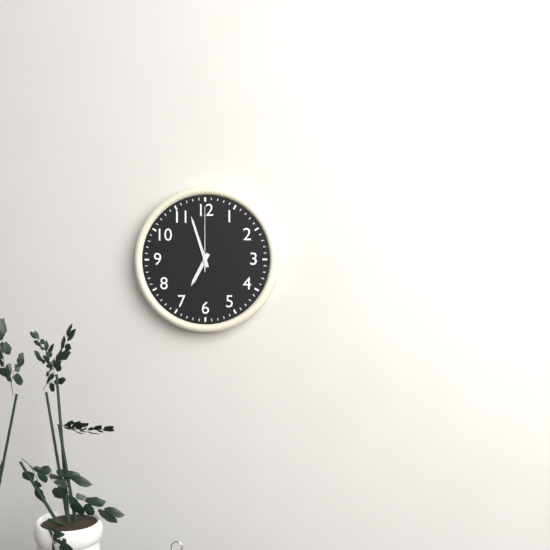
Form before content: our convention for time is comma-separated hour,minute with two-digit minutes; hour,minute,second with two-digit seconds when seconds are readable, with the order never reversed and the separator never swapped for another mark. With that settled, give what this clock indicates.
6,57,00
